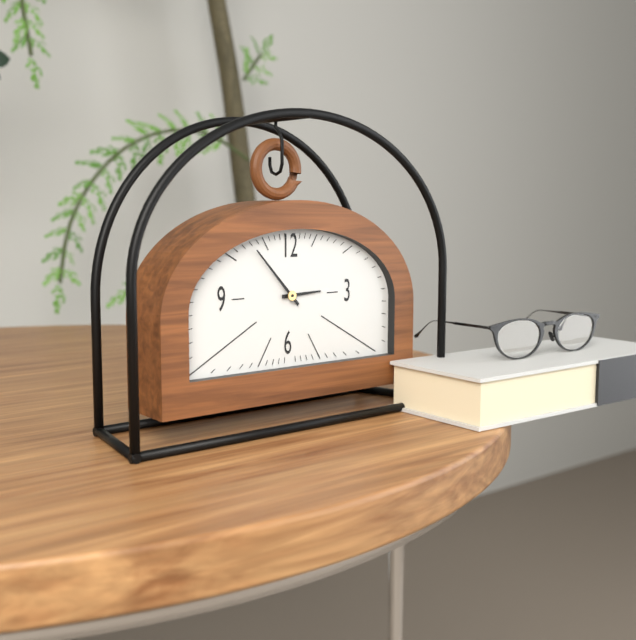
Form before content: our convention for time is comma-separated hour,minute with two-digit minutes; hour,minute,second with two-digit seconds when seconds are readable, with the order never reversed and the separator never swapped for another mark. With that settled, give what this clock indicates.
2,53
